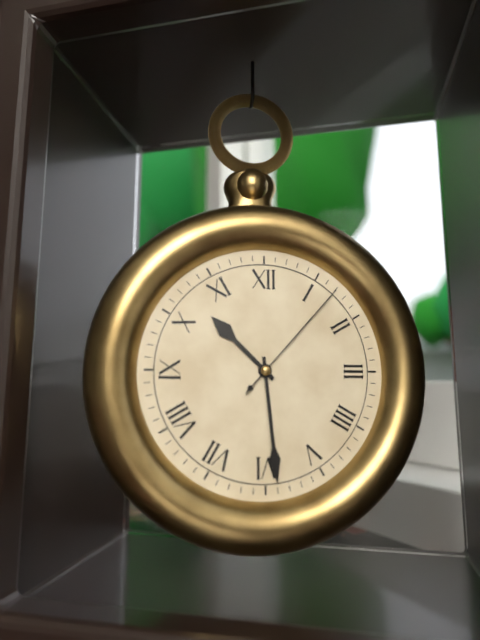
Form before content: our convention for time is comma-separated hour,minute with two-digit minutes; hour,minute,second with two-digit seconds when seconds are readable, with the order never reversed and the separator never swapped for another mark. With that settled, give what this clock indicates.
10,29,07
